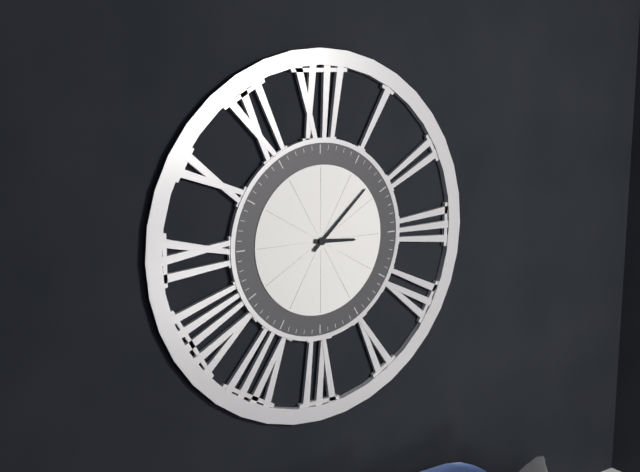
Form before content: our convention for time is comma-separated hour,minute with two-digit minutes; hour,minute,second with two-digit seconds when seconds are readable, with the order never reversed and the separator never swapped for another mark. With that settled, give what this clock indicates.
3,08
